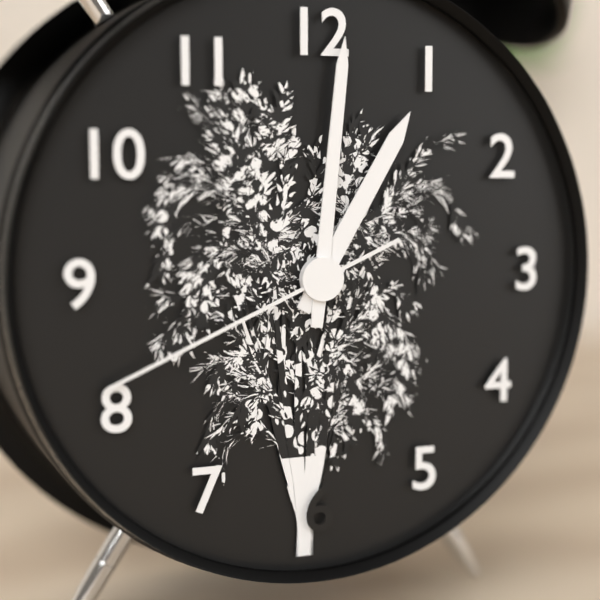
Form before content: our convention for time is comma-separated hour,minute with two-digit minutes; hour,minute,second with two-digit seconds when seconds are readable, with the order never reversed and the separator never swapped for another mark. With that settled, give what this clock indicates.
1,01,41
